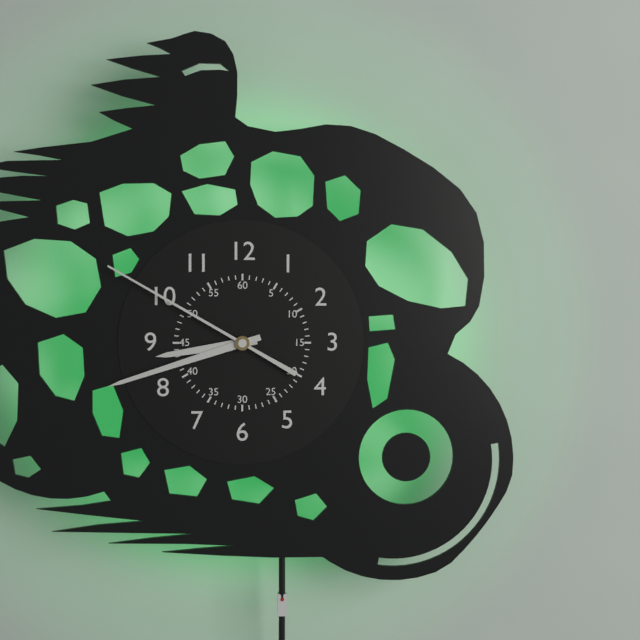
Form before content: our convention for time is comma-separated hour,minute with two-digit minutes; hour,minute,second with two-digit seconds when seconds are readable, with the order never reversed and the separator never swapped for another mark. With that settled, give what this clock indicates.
8,42,50
